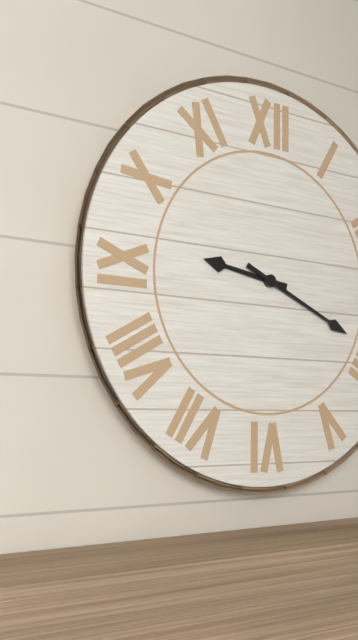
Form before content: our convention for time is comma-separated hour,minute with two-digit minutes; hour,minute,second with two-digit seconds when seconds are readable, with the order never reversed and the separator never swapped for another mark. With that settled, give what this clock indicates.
9,19
